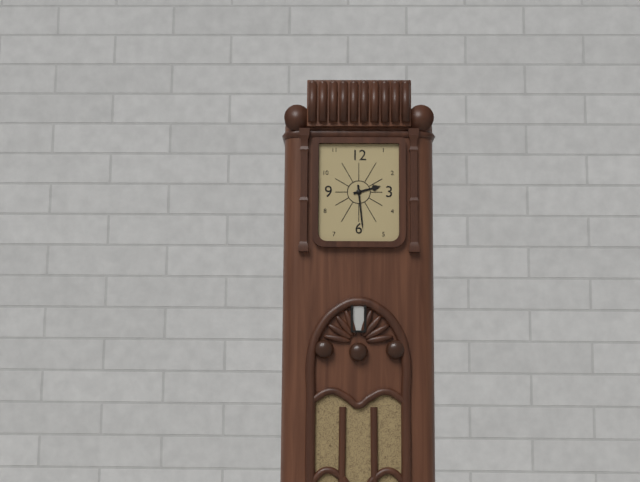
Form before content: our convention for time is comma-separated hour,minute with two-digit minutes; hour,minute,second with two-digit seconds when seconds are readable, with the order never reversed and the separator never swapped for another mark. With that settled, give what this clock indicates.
2,29
